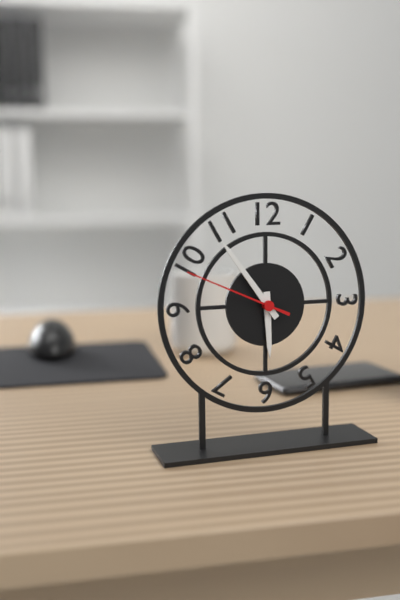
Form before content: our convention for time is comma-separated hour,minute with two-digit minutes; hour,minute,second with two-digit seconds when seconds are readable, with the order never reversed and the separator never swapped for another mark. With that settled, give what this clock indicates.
5,54,49
